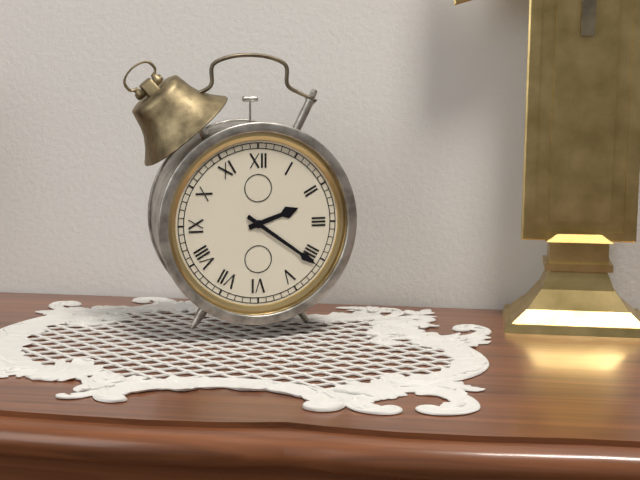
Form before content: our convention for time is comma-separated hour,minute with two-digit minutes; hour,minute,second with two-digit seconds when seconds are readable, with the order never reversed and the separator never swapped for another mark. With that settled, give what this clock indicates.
2,21
